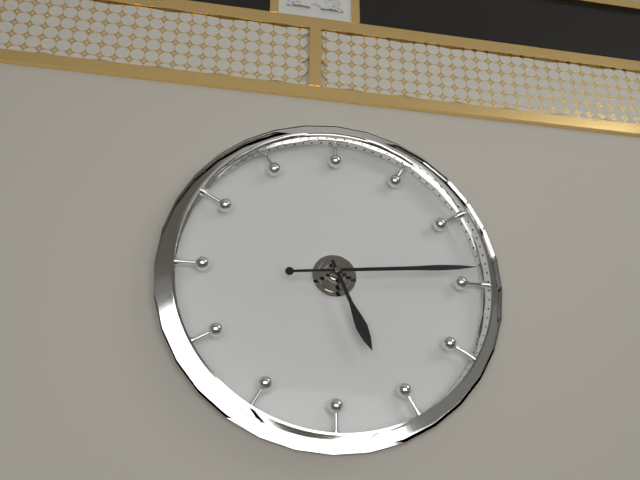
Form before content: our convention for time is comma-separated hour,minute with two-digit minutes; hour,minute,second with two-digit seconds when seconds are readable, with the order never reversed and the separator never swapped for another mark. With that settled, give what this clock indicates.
5,14
